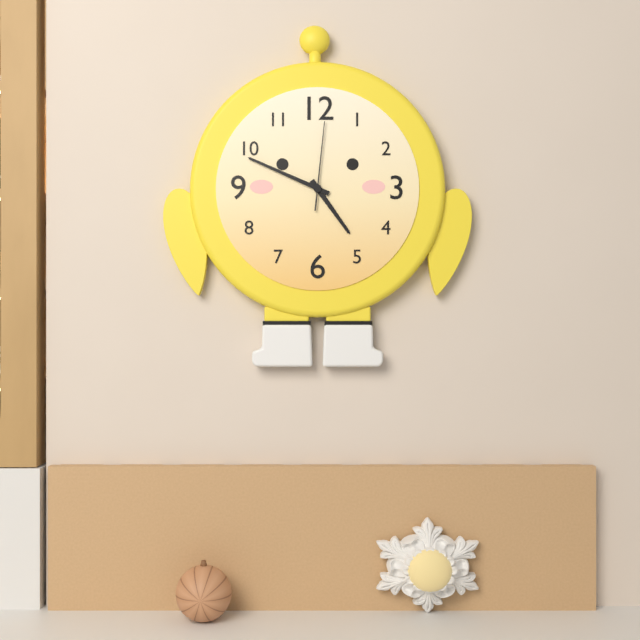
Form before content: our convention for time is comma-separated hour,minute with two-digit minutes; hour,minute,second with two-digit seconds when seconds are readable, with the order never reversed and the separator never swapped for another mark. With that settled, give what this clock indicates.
4,49,01
